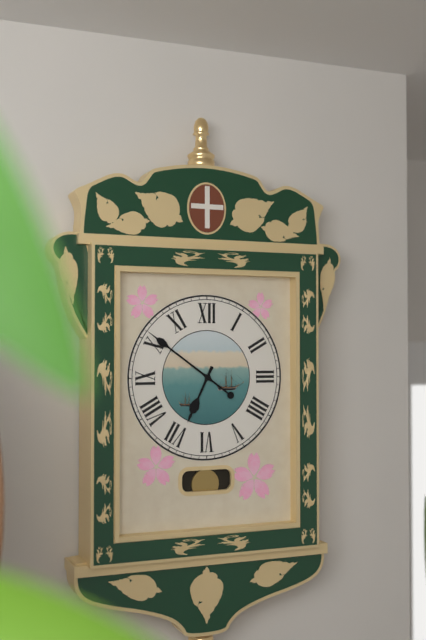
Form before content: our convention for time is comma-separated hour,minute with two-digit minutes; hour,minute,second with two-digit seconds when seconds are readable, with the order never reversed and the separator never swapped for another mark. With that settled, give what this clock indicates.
6,51
